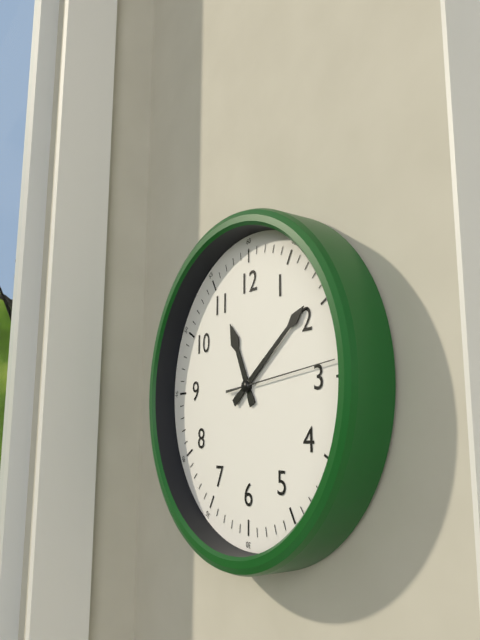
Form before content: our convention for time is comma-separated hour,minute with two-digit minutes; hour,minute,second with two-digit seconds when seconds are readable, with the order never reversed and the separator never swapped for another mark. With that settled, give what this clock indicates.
11,09,14
